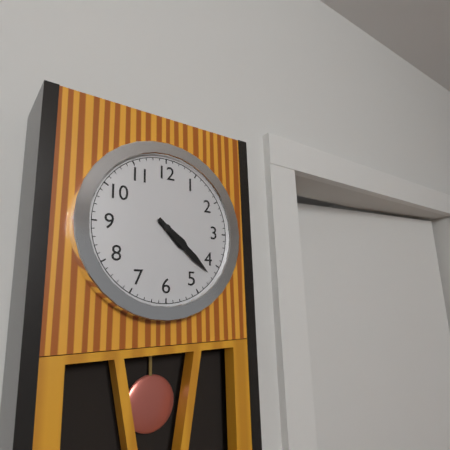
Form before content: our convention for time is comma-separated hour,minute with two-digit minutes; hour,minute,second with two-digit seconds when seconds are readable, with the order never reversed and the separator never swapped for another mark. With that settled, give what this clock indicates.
4,22
